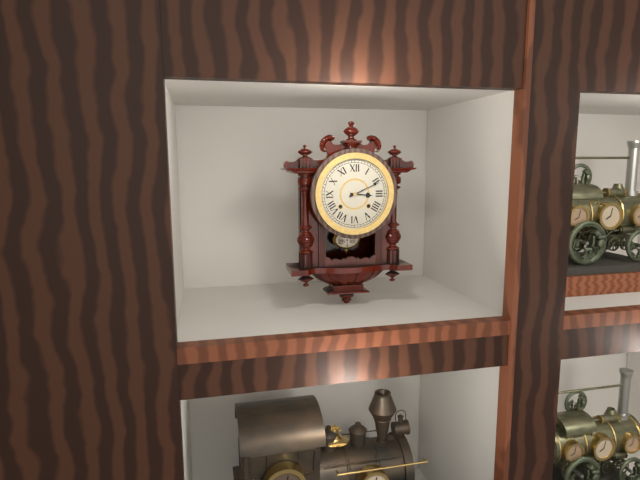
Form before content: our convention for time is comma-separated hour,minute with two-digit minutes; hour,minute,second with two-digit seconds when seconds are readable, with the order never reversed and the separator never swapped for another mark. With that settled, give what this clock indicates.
3,11
